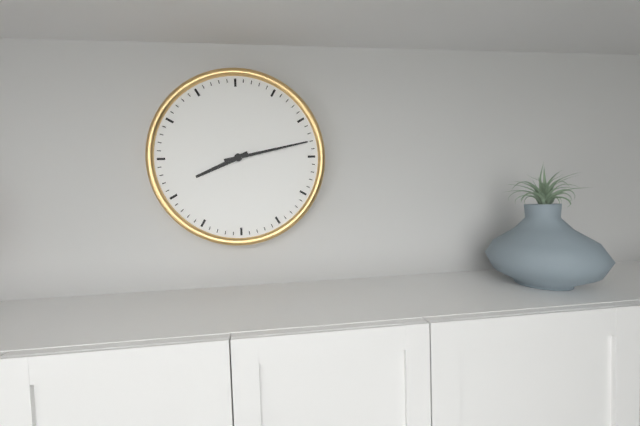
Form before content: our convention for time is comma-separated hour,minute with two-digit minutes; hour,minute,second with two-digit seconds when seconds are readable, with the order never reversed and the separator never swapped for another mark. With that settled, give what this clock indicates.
8,13
